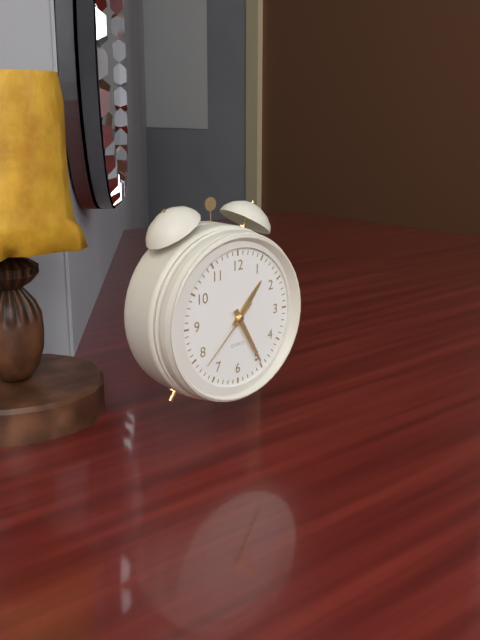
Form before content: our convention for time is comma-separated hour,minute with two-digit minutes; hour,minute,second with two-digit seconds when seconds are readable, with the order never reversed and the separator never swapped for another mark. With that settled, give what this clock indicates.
1,25,38
